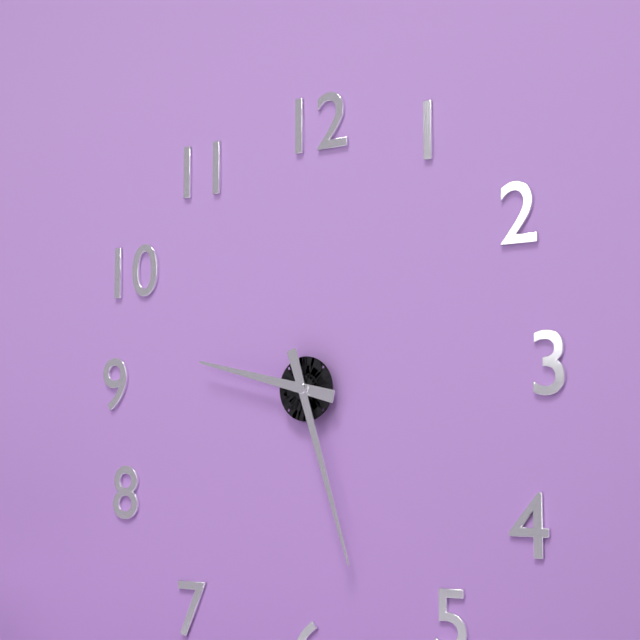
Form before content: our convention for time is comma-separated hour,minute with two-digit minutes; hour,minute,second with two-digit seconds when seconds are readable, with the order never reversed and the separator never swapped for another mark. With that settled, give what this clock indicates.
9,27
